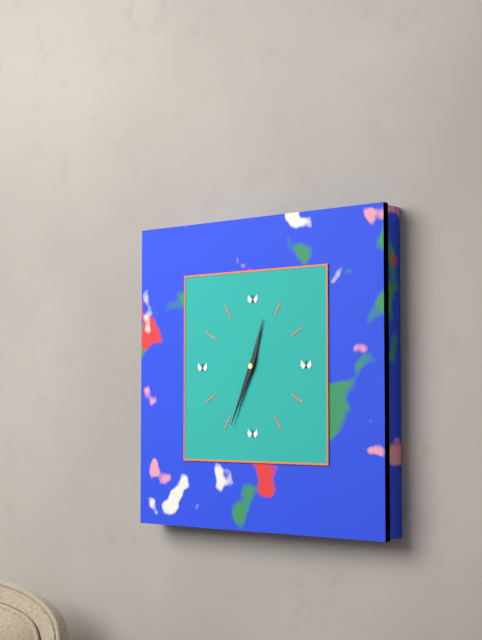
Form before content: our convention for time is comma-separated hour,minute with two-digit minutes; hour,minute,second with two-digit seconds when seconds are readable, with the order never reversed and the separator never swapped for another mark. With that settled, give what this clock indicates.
12,34
